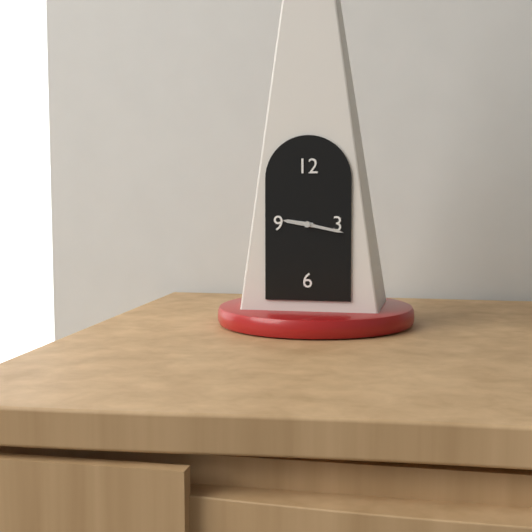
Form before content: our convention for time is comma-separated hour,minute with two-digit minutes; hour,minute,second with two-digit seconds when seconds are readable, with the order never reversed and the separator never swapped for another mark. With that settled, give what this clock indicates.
9,17
